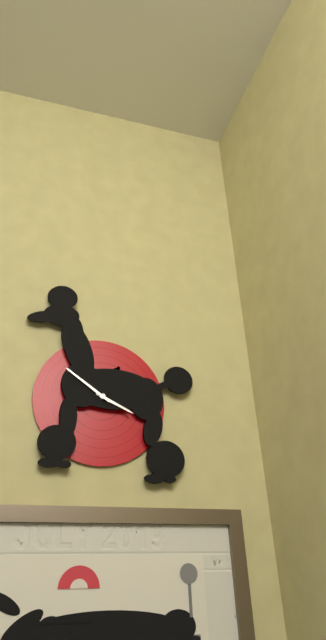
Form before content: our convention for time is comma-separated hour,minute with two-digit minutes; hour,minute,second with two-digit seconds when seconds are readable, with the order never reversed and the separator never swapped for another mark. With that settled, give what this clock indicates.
3,51
